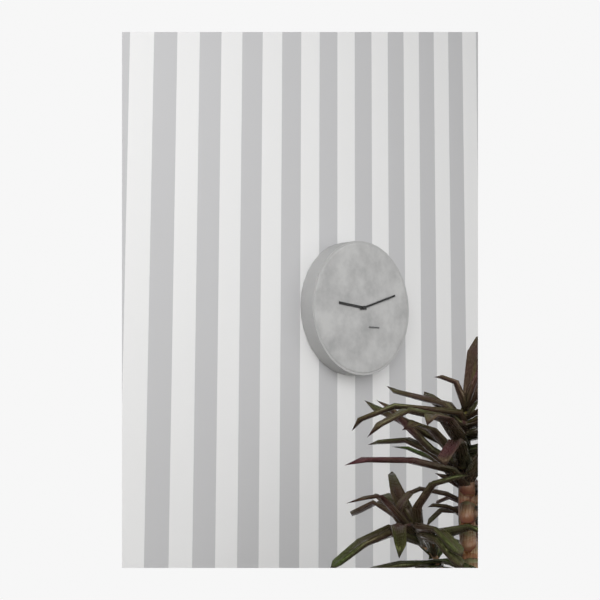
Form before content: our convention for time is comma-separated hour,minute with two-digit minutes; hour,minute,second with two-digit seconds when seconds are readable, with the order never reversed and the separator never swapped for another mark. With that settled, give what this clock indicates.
9,12
